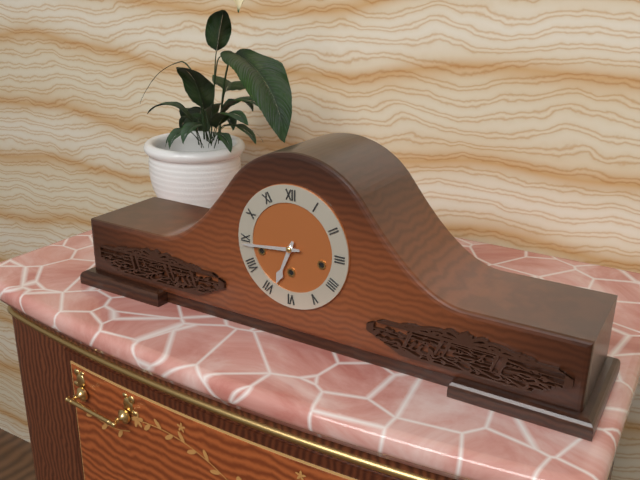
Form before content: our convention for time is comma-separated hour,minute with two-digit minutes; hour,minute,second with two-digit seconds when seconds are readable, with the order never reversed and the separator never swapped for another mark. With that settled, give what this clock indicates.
6,44
